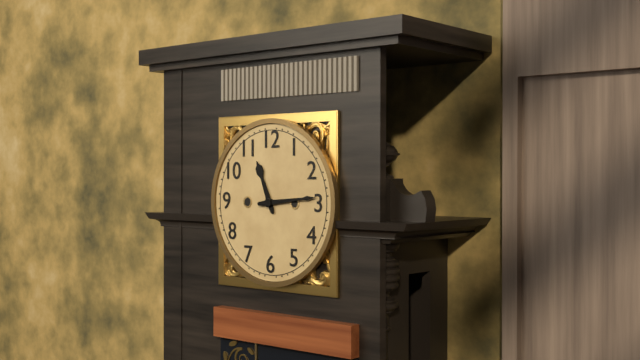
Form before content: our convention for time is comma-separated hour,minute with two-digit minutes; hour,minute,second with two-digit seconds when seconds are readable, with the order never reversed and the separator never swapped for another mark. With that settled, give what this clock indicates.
11,14
